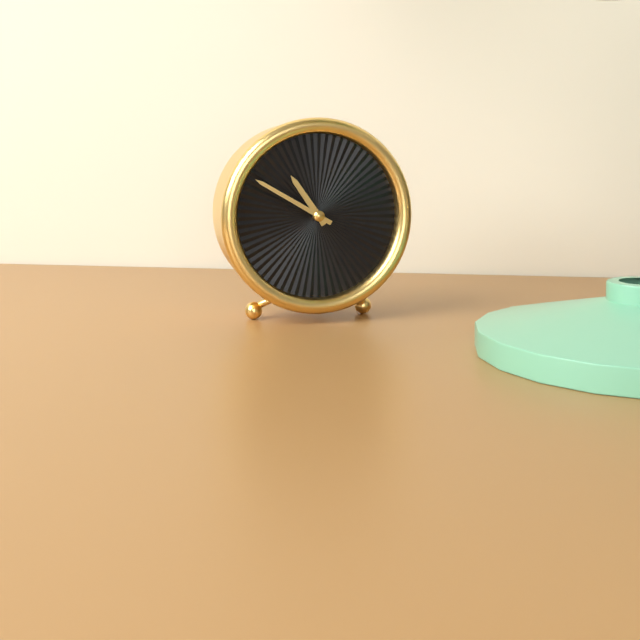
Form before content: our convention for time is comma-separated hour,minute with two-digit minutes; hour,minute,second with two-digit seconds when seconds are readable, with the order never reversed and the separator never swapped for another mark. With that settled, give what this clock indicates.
10,50
